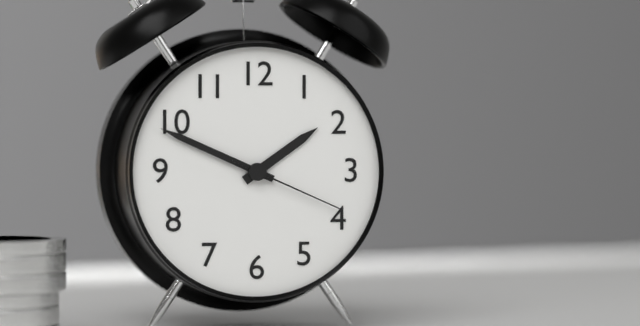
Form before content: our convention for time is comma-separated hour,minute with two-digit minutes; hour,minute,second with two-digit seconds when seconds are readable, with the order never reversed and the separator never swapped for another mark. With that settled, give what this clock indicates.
1,49,19
